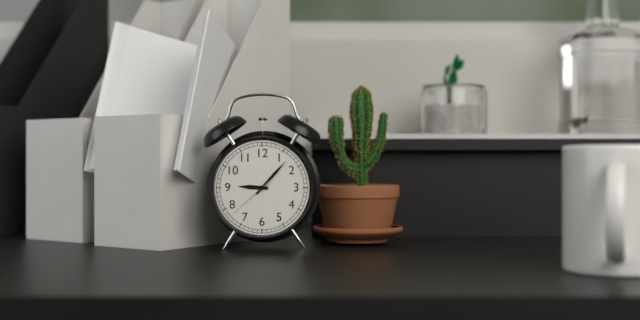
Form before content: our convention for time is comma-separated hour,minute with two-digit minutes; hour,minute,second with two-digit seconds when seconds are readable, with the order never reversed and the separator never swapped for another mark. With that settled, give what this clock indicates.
9,07
